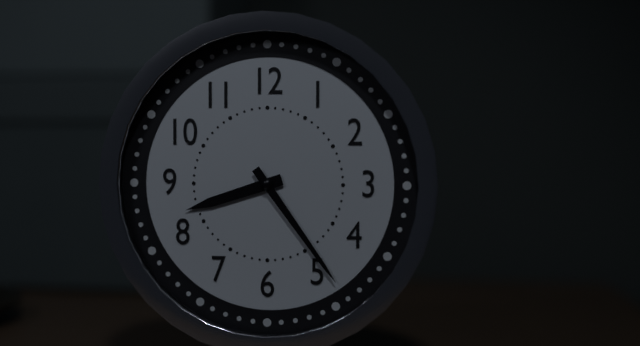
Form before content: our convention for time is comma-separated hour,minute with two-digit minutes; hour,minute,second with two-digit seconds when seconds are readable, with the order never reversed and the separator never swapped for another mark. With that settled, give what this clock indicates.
8,24
